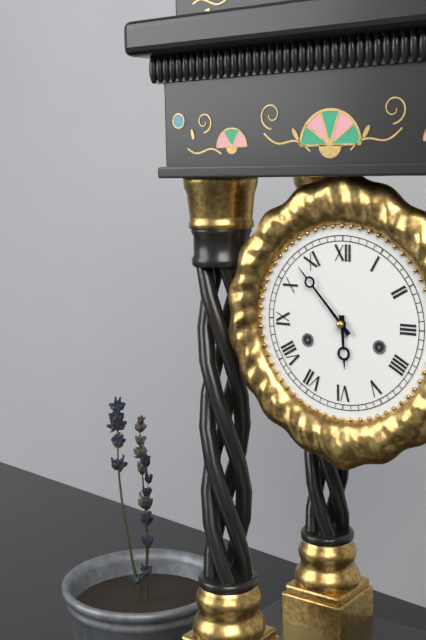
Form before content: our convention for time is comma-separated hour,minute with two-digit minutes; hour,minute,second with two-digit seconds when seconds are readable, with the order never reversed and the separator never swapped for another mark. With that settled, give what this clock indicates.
5,53
